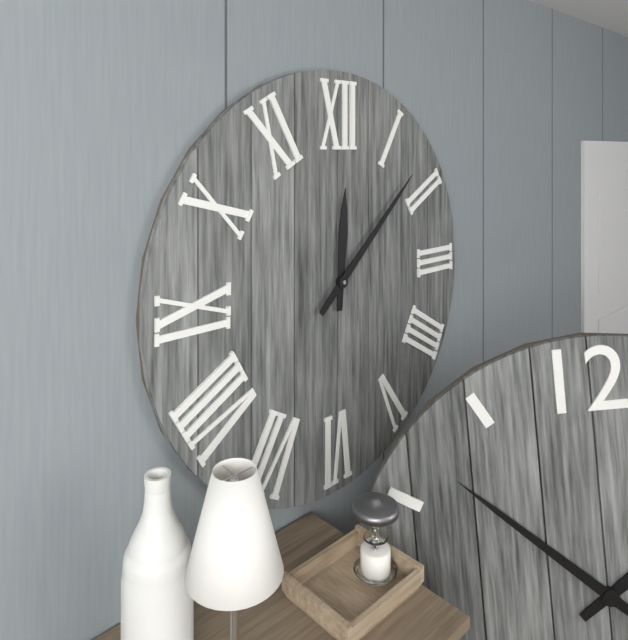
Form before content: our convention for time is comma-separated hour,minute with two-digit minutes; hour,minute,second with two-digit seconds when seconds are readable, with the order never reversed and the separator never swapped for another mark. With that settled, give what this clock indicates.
12,08
